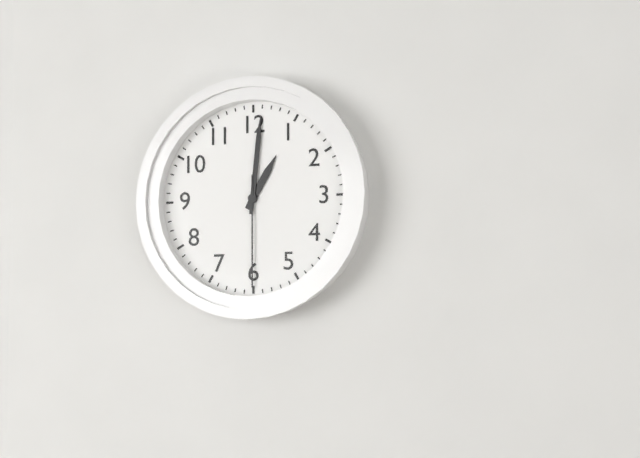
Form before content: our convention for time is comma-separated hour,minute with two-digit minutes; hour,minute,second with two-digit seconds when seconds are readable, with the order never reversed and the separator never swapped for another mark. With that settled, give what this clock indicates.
1,01,30
